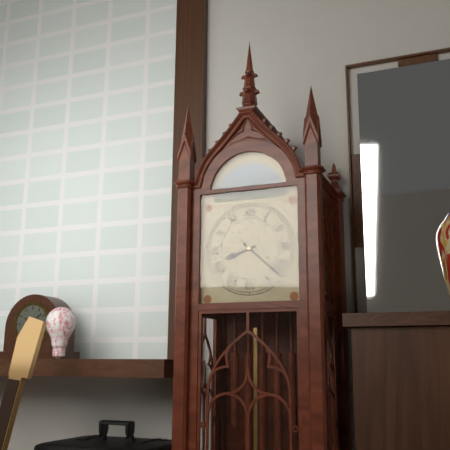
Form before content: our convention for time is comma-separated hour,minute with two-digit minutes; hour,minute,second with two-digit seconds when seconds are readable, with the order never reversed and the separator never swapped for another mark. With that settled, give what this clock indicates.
8,22
